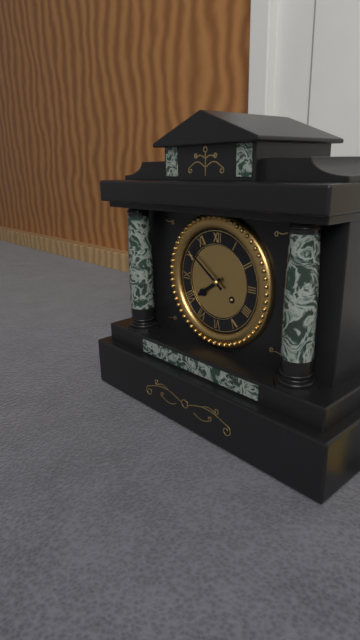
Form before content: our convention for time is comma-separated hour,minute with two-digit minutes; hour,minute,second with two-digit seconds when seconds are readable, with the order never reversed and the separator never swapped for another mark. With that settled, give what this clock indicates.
7,51
